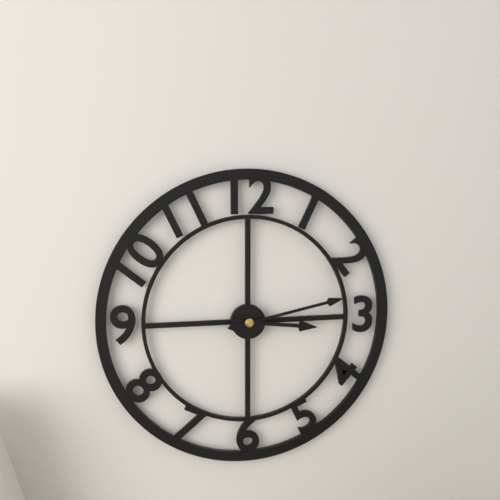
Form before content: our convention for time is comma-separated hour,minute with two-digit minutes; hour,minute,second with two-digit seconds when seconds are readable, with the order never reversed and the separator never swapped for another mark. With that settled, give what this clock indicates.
3,13
